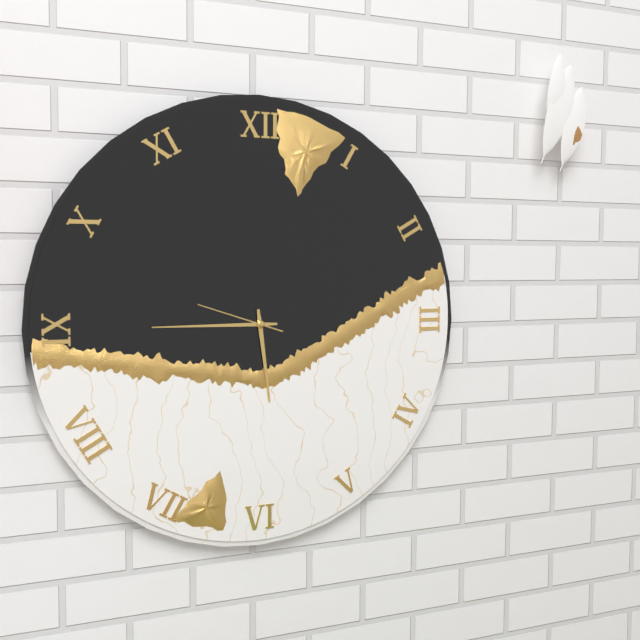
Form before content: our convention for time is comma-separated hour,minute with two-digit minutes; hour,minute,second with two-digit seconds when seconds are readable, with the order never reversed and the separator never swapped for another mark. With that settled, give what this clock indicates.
5,45,48
